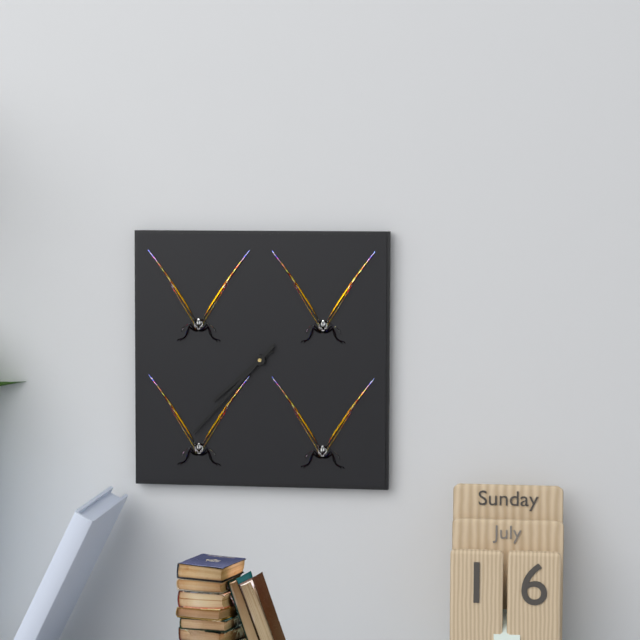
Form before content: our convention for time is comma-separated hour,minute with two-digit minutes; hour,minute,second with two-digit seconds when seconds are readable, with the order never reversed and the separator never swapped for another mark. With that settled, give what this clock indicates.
7,37
